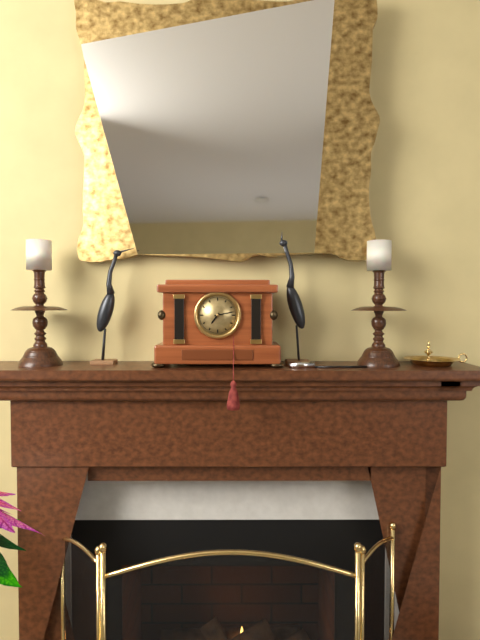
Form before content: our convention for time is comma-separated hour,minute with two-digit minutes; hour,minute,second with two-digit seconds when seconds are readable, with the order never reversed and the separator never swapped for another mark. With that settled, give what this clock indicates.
7,13
